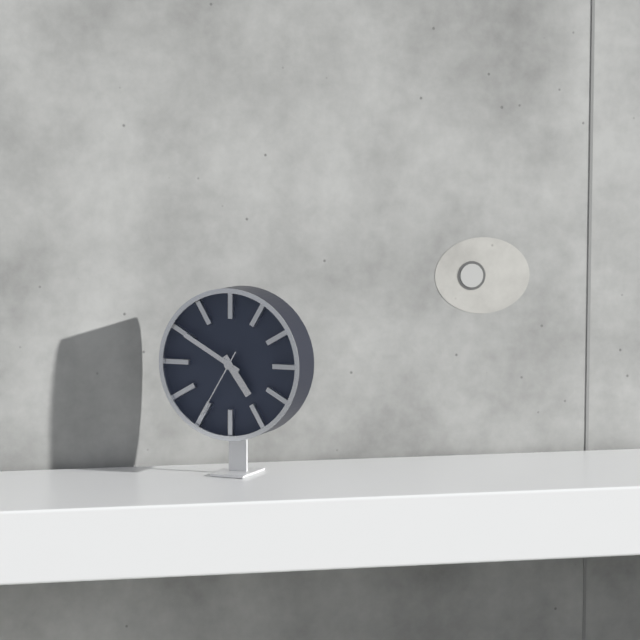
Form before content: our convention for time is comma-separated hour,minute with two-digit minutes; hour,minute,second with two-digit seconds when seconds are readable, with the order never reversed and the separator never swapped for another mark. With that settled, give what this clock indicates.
4,50,35
